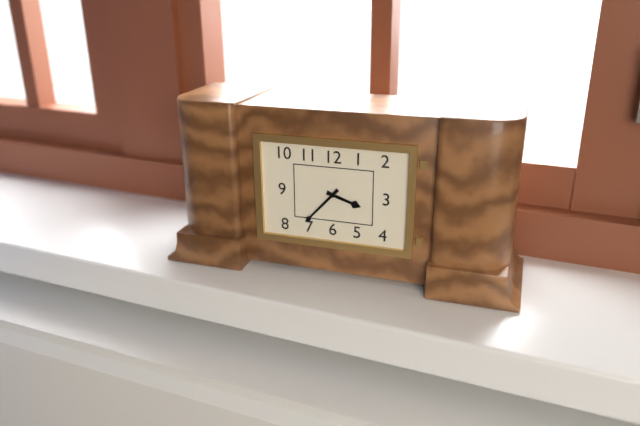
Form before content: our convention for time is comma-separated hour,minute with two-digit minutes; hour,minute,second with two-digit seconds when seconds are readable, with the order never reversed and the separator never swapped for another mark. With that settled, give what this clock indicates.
3,37
